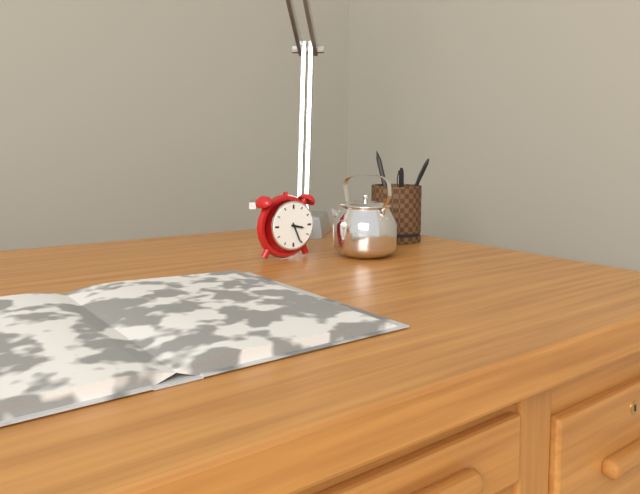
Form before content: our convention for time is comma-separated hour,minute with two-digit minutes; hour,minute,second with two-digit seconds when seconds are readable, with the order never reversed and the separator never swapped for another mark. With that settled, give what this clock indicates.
3,26
